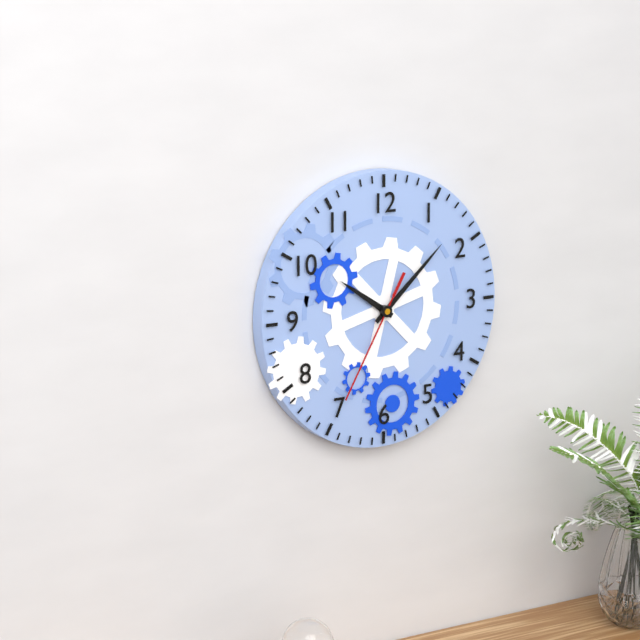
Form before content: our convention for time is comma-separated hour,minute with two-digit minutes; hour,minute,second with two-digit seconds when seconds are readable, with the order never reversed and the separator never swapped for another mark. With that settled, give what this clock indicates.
10,08,35
